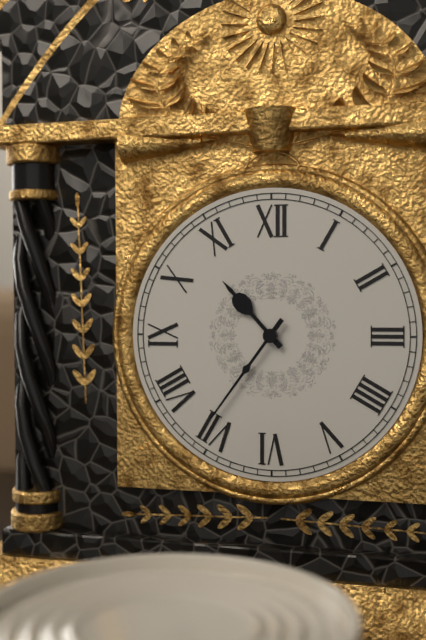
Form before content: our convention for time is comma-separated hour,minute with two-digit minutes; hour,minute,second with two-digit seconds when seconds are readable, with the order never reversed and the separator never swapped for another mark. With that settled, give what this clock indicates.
10,36
